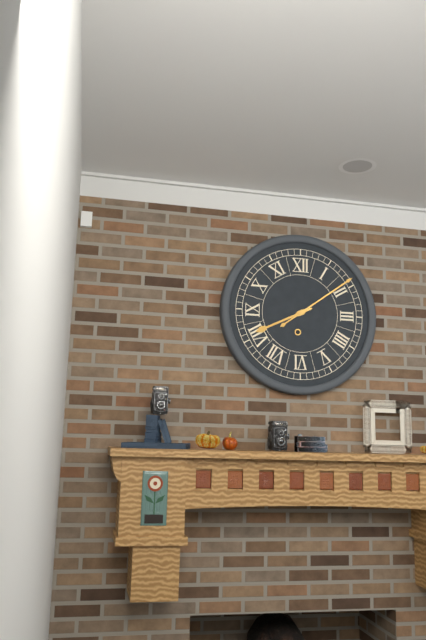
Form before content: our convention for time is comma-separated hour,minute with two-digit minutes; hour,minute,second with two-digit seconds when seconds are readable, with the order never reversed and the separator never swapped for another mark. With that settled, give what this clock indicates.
8,09
